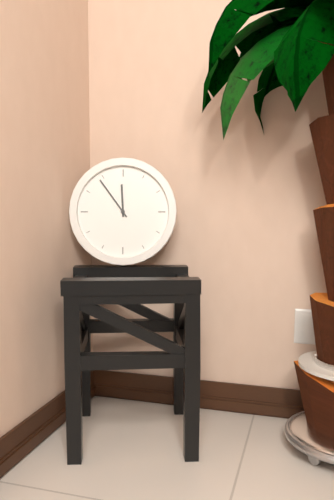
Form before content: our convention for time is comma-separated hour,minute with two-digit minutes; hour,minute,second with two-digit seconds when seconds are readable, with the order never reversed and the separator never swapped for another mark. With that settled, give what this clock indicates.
11,54
